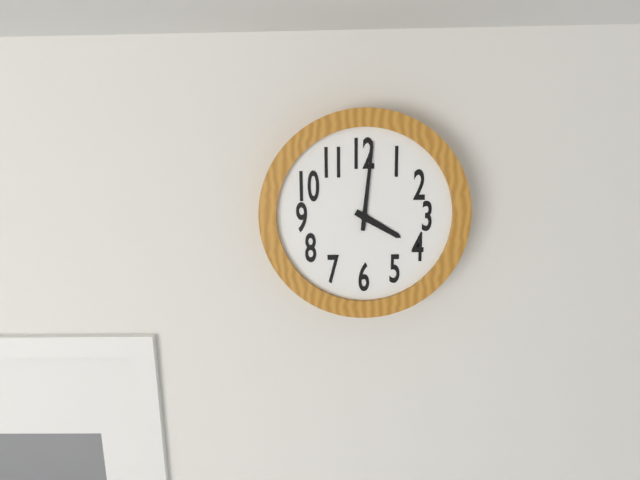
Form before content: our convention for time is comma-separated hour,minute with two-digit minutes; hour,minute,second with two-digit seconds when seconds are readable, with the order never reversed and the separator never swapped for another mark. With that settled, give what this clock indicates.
4,01
